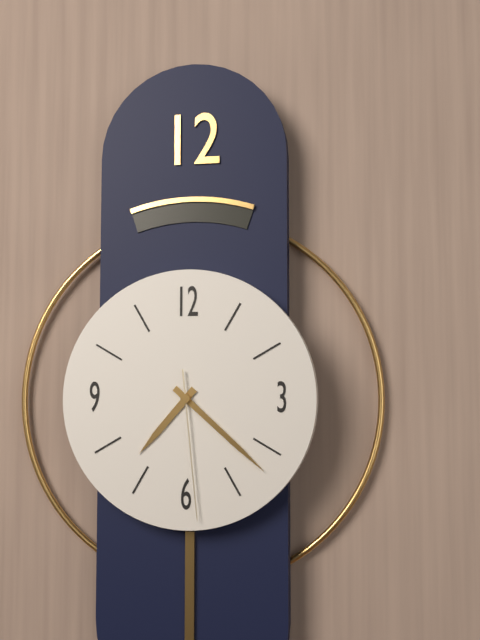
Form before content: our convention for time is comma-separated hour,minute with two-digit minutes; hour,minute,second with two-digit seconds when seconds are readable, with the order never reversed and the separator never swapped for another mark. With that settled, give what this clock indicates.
7,22,29
